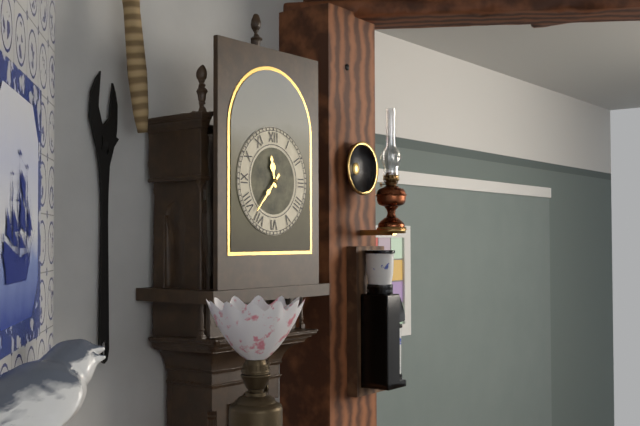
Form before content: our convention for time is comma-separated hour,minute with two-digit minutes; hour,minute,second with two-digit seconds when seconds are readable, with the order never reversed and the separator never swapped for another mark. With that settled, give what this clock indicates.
11,37
